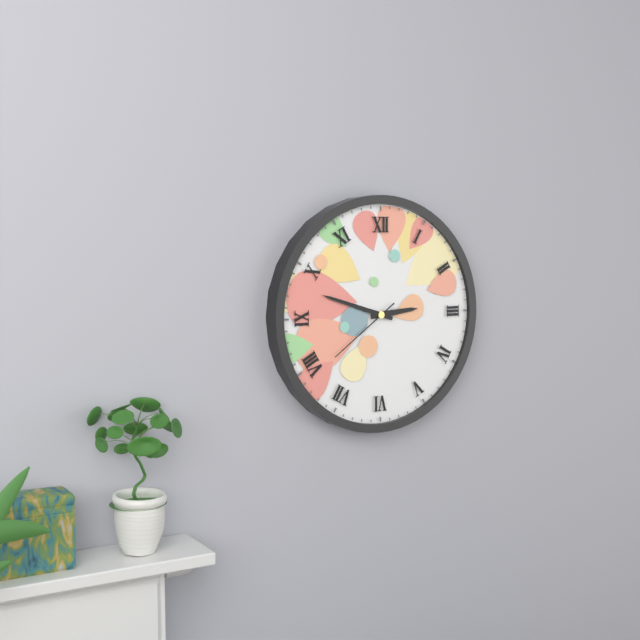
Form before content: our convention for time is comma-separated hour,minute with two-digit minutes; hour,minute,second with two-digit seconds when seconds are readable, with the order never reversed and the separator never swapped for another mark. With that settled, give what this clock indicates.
2,48,39
